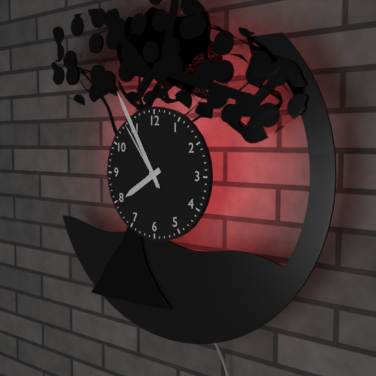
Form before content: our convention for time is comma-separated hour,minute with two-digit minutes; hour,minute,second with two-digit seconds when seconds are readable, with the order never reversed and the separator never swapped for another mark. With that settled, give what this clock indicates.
7,55,54
